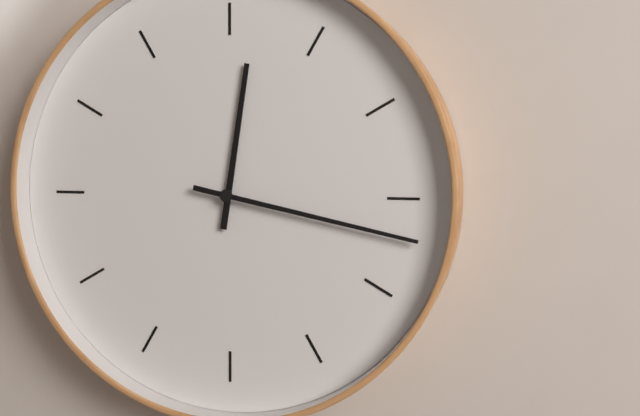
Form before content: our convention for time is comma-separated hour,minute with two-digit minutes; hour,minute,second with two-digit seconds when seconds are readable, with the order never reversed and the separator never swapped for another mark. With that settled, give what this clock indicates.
12,17
